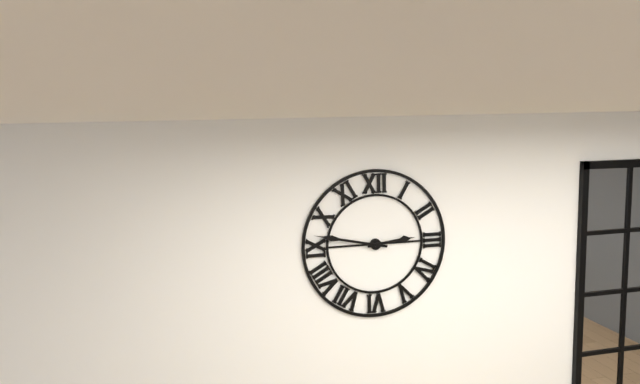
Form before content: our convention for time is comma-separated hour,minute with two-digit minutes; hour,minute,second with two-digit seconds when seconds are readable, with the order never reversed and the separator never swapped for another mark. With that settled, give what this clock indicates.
2,47
